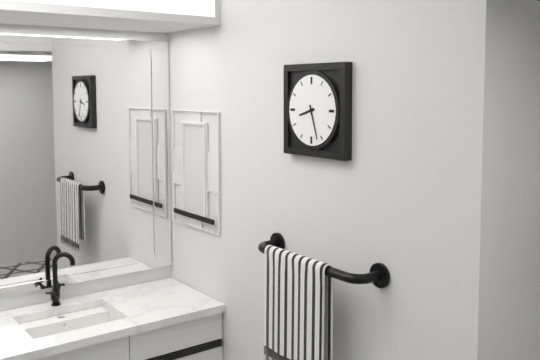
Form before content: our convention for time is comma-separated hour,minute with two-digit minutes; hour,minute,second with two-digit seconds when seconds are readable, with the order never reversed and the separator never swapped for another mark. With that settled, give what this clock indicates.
8,27
